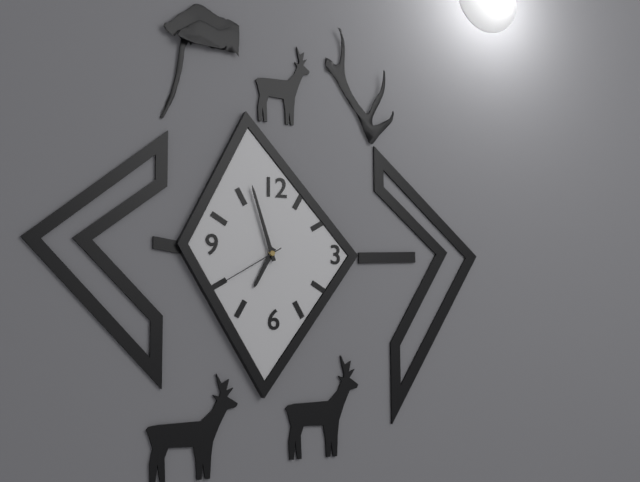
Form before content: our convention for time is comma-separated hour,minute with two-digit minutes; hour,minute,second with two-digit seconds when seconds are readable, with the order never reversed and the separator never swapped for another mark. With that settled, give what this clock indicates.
6,57,40
